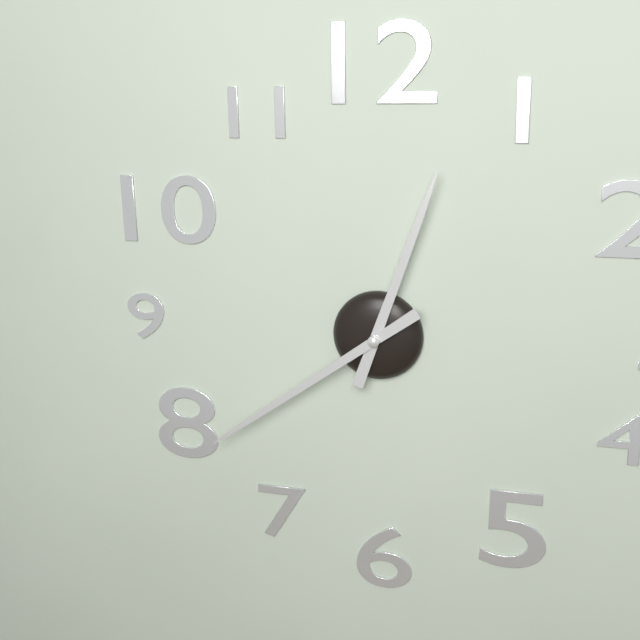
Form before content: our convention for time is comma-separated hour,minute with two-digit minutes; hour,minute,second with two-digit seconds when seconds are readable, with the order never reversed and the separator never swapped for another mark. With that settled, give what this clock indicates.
12,39
